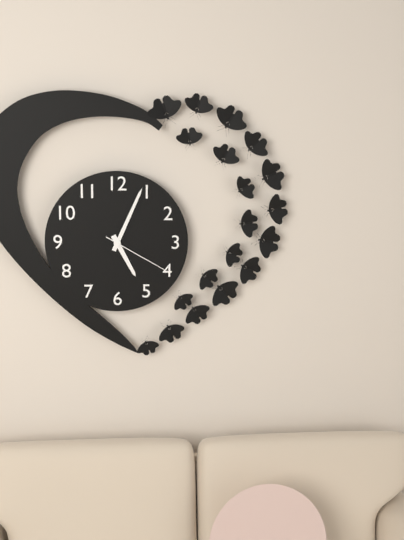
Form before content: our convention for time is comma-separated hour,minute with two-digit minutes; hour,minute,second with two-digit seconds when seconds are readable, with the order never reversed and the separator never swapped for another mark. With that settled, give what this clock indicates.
5,04,20
